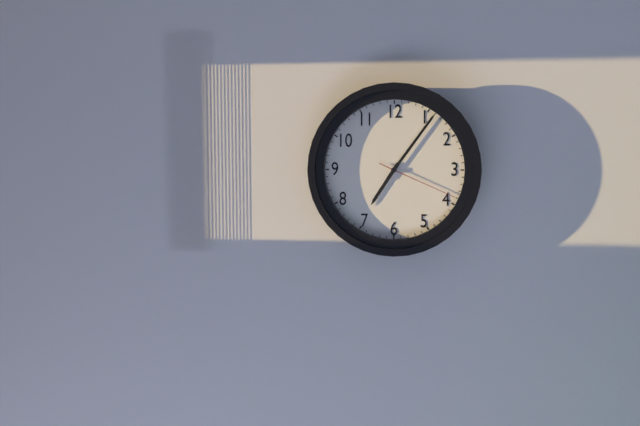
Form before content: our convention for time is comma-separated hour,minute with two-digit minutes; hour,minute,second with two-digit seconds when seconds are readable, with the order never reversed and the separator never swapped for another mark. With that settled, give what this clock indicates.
7,06,19
